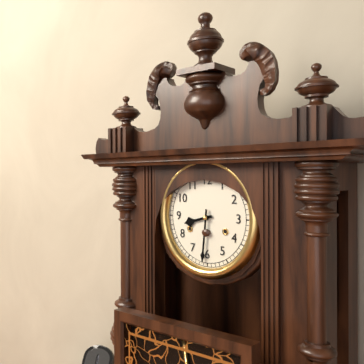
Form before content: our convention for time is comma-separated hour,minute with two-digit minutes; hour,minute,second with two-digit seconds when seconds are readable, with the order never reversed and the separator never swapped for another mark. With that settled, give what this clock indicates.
8,31
